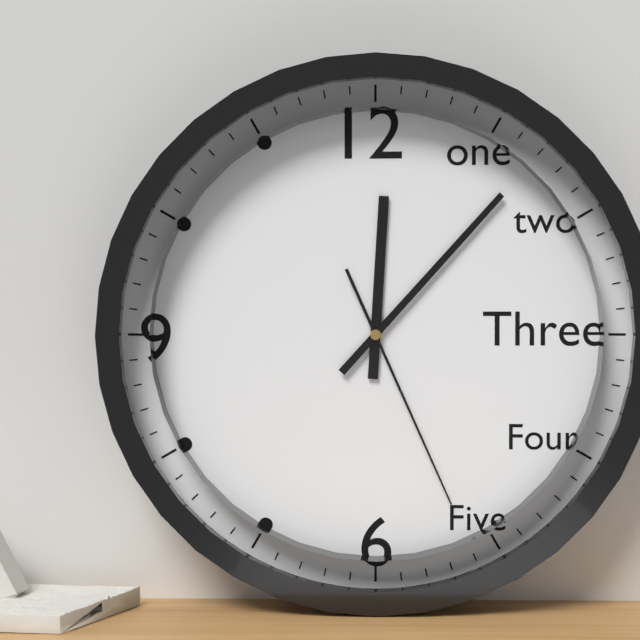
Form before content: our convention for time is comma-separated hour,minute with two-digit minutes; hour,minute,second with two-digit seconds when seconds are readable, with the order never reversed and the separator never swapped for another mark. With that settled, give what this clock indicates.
12,07,26
